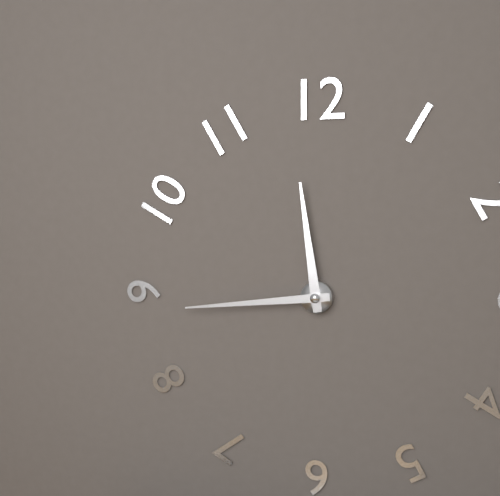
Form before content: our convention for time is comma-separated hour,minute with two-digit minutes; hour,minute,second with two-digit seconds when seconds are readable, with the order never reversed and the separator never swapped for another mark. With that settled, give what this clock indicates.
11,44
